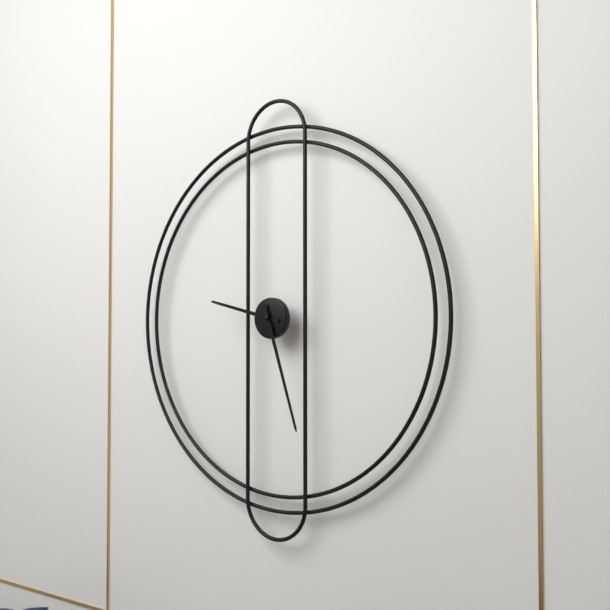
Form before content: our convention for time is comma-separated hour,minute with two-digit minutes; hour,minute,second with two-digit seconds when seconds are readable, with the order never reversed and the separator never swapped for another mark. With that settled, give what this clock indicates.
9,27
